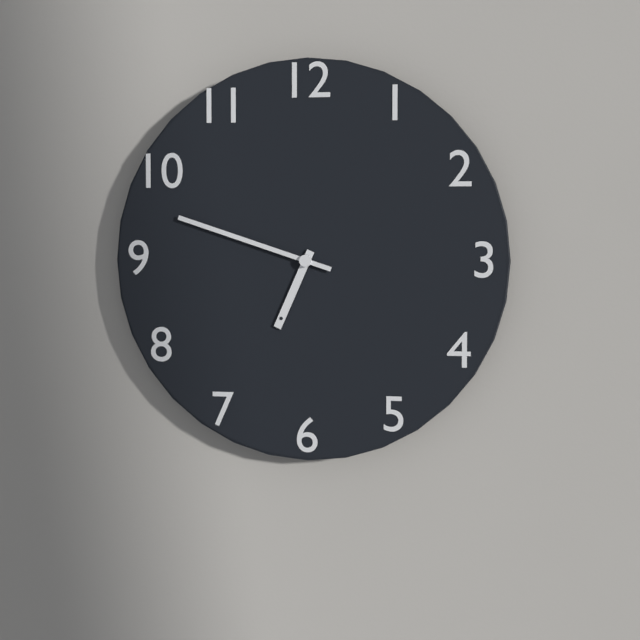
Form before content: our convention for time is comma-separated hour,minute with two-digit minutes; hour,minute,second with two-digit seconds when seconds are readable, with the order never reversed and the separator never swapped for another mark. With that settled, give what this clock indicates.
6,48
